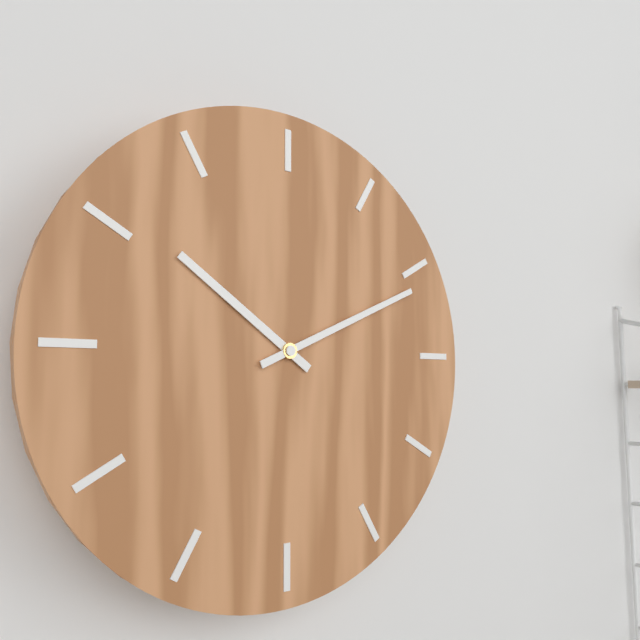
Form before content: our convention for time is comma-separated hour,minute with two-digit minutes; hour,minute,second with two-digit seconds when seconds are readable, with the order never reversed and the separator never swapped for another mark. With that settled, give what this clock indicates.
10,11
